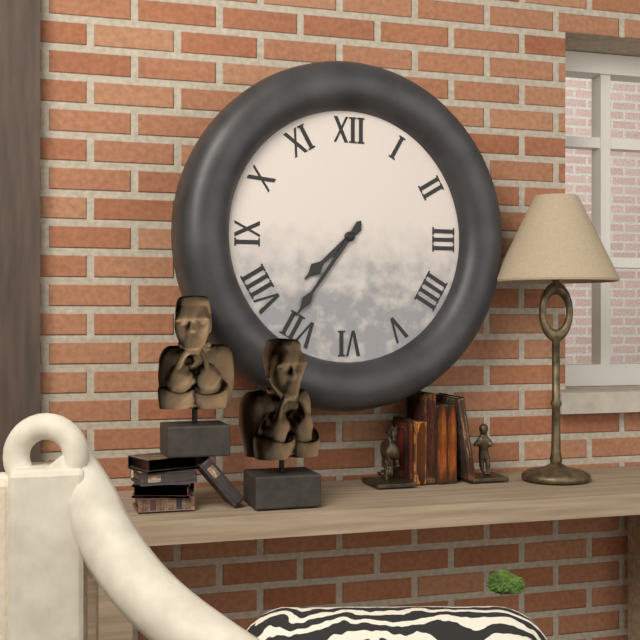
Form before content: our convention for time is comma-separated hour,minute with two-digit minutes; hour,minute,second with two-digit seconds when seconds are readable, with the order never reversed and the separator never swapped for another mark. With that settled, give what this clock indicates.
7,36
